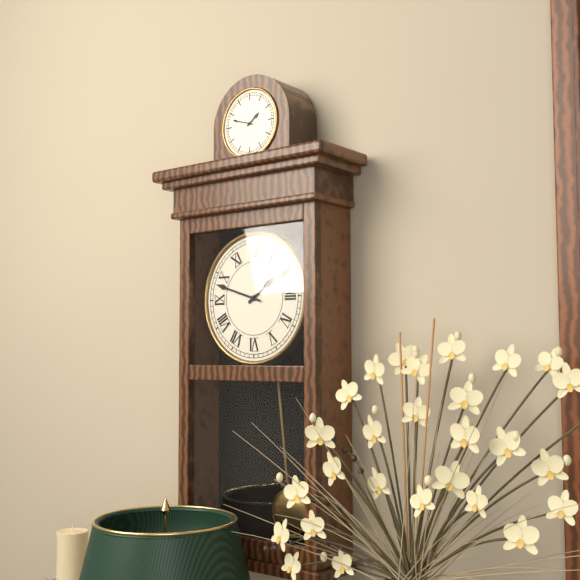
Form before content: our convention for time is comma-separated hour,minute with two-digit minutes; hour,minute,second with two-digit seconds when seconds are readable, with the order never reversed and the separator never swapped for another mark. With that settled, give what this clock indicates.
1,48
